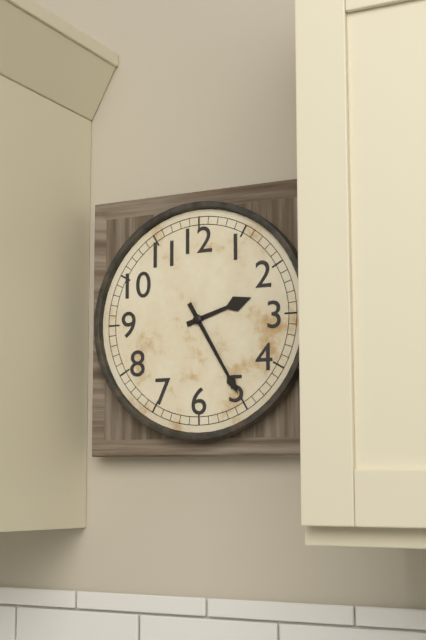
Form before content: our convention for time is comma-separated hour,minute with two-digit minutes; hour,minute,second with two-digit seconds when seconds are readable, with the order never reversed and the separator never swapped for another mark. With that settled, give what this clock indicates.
2,25
